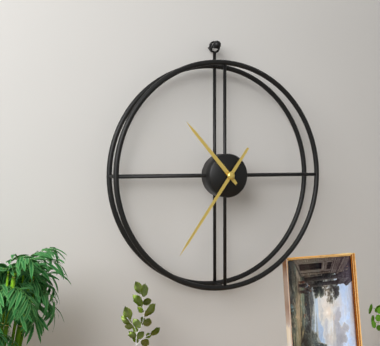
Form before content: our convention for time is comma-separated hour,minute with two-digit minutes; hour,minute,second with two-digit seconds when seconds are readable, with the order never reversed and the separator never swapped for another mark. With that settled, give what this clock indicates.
10,36
